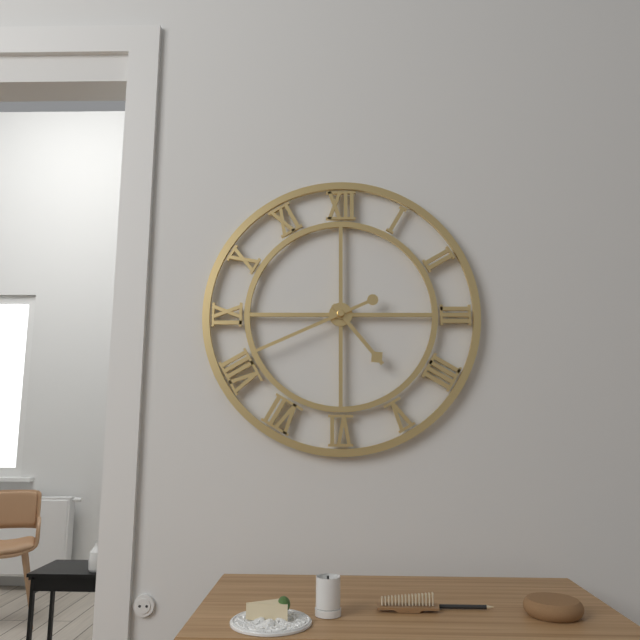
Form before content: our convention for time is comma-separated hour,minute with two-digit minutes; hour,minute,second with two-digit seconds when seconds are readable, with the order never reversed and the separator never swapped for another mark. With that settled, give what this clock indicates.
4,41
